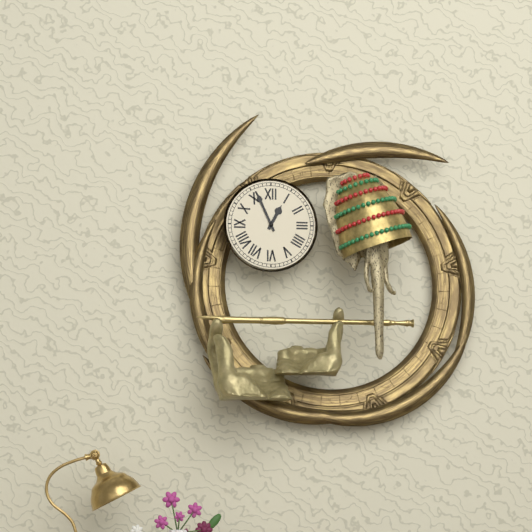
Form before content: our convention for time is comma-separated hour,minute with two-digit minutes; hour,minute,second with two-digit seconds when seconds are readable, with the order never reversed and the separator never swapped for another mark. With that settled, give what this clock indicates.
12,56
